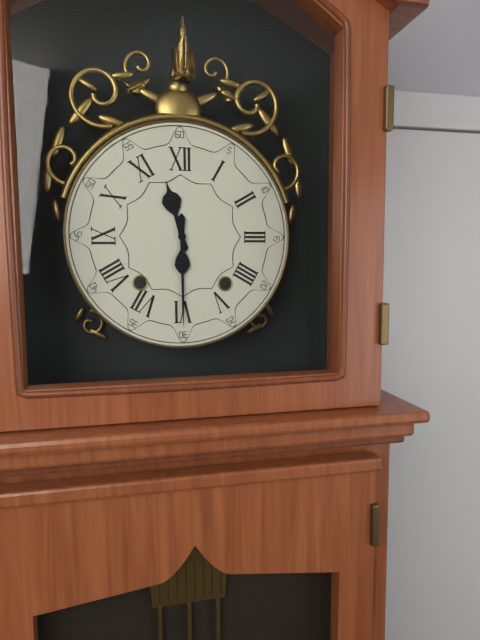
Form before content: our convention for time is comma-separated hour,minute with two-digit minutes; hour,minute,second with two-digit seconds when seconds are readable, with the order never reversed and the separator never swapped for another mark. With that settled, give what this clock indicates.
11,30
